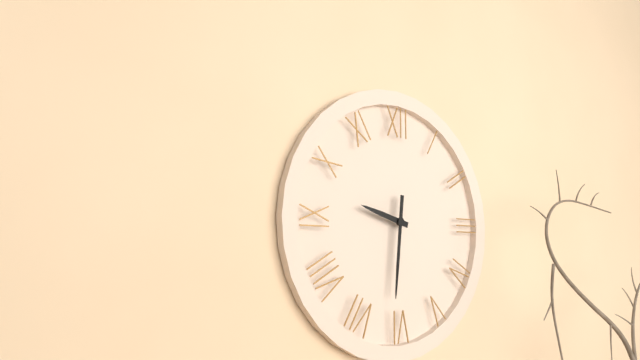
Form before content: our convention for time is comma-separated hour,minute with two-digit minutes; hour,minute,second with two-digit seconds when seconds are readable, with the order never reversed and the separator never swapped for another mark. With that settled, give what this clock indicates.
9,31
